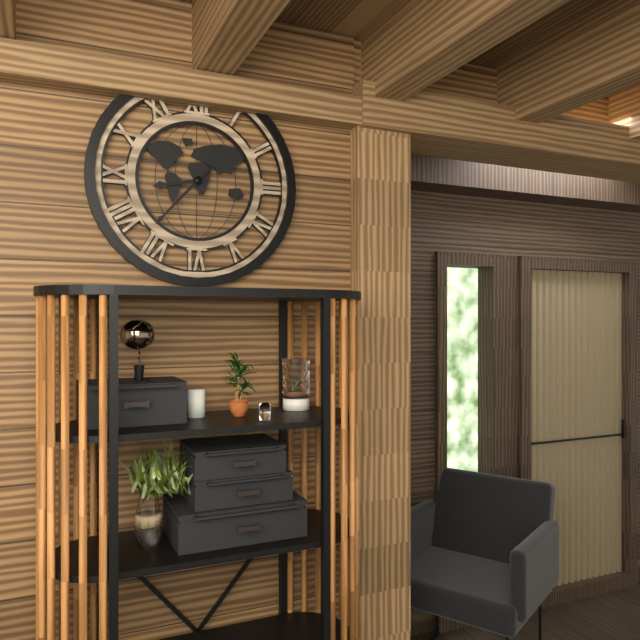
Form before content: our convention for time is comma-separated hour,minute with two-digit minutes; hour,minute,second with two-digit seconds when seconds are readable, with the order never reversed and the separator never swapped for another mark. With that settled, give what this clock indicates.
8,37
